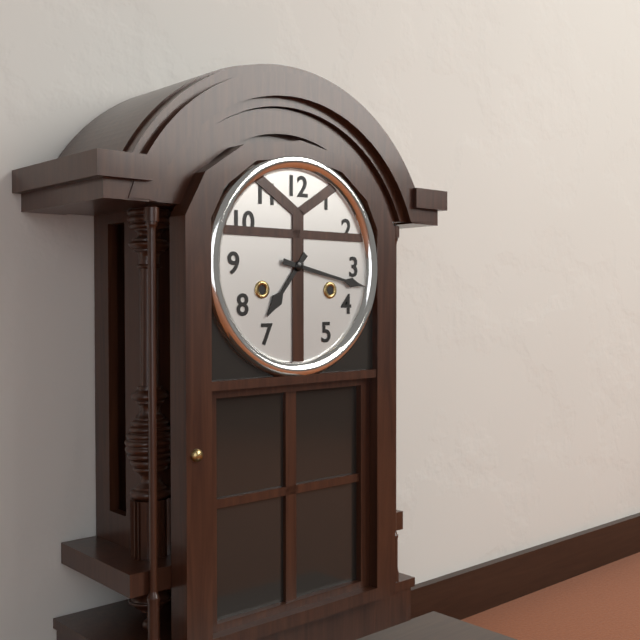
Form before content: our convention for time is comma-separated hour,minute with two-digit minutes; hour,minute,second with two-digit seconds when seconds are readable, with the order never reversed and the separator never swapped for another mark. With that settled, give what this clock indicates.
7,17
